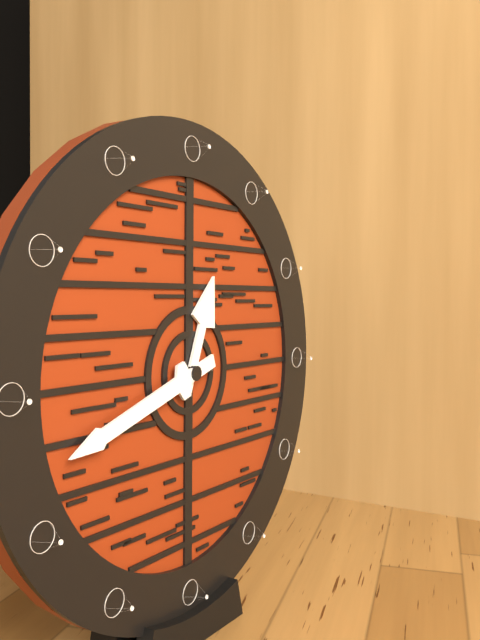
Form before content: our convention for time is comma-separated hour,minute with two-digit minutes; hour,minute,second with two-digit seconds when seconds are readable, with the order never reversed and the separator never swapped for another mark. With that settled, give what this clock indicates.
12,42
